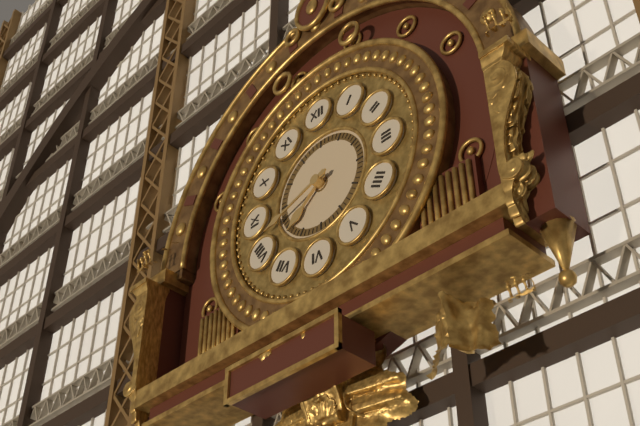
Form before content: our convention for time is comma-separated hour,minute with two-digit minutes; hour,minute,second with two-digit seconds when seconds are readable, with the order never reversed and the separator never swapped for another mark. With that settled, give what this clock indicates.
7,42
